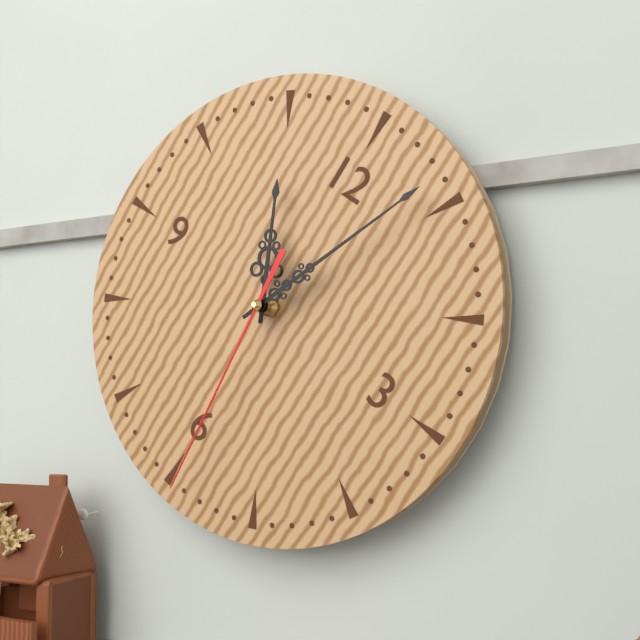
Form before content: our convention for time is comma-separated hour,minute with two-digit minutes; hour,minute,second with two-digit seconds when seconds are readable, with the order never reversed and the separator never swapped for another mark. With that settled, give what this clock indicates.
11,04,29
